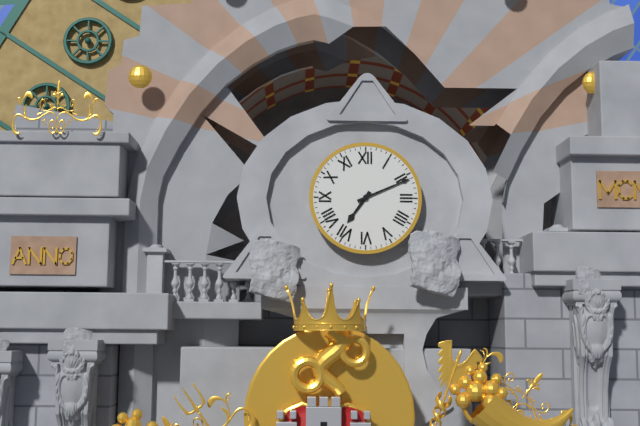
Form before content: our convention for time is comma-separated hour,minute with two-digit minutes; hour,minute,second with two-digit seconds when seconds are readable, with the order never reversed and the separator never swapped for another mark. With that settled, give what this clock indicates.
7,11
